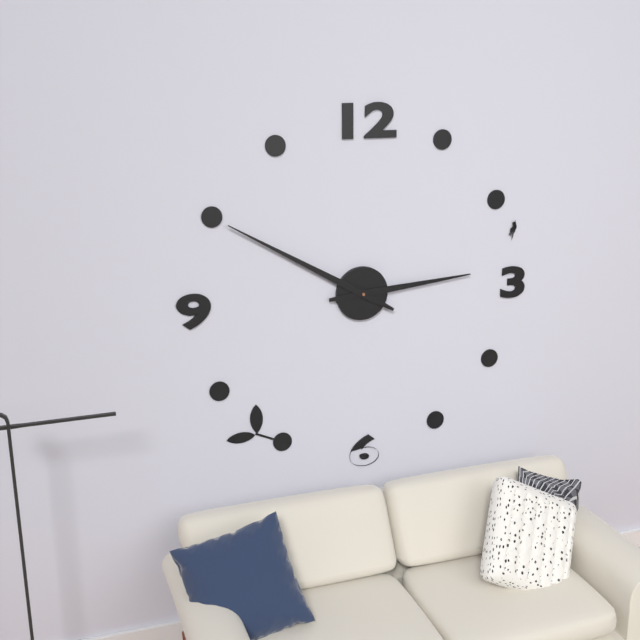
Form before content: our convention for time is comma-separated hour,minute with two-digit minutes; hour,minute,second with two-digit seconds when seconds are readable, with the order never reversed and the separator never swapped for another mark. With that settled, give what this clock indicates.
2,50
